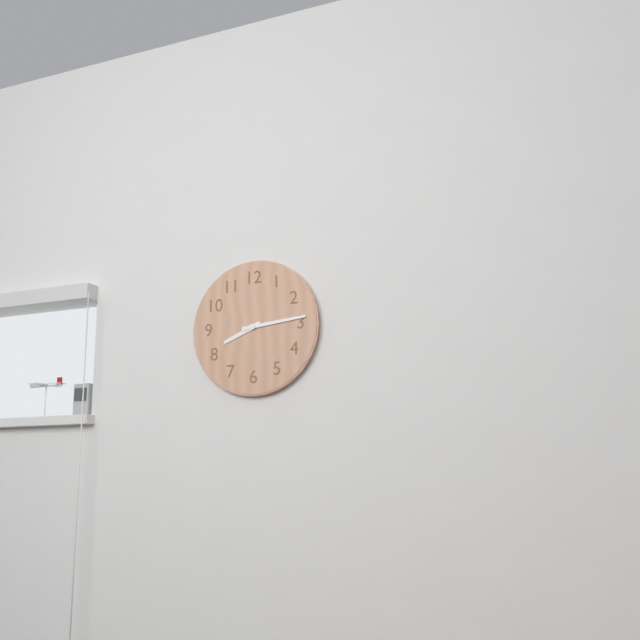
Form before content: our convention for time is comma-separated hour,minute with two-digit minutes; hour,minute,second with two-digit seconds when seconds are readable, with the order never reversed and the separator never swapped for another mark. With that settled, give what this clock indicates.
8,14
